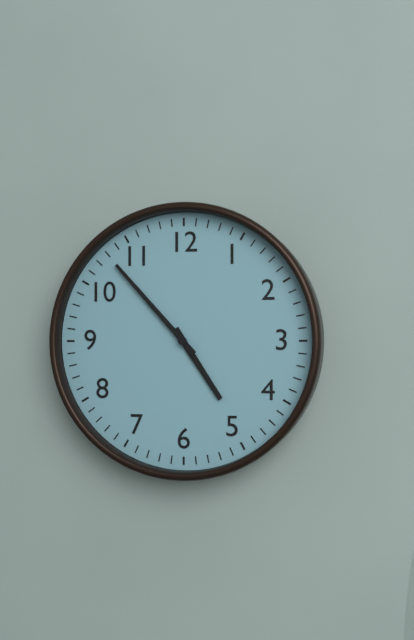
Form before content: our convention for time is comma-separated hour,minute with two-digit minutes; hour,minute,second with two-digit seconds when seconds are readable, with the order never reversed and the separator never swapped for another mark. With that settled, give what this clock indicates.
4,53
